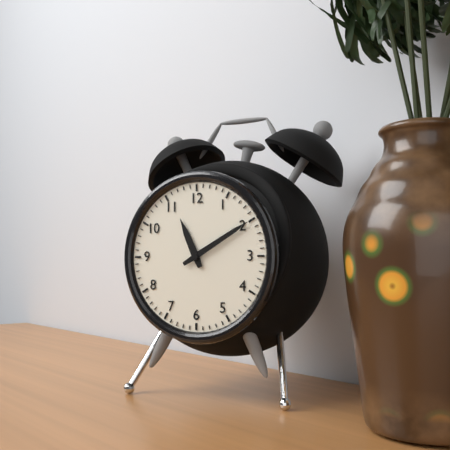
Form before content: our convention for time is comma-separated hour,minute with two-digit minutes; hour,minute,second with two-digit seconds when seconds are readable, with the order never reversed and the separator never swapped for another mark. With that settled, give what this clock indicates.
11,10
